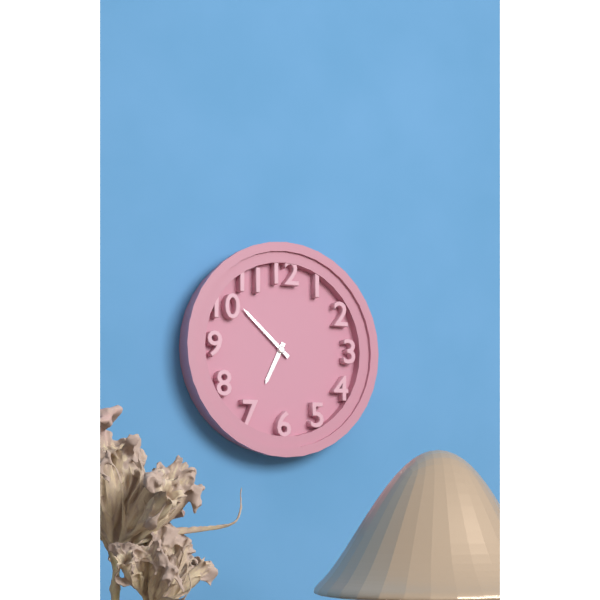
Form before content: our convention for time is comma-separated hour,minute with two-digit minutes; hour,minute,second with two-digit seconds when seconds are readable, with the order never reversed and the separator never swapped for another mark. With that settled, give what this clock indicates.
6,52
